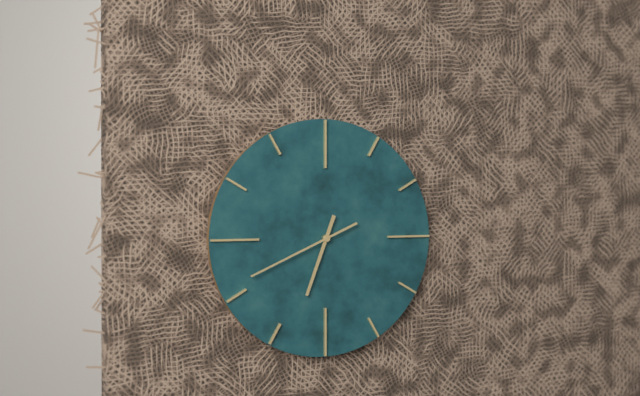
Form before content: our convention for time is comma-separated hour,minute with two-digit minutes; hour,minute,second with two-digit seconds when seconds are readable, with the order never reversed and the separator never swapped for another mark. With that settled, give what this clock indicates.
6,41
